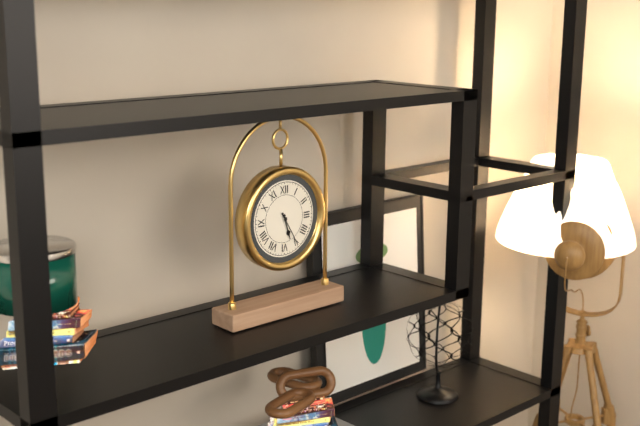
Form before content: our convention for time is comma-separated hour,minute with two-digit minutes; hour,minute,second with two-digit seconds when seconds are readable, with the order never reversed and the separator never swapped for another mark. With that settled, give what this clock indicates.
5,25
